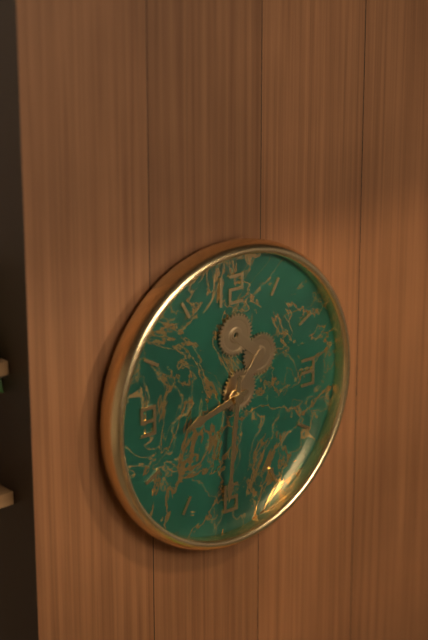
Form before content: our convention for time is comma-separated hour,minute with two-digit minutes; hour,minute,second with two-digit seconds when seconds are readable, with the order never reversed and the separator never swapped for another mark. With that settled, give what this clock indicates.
8,31
